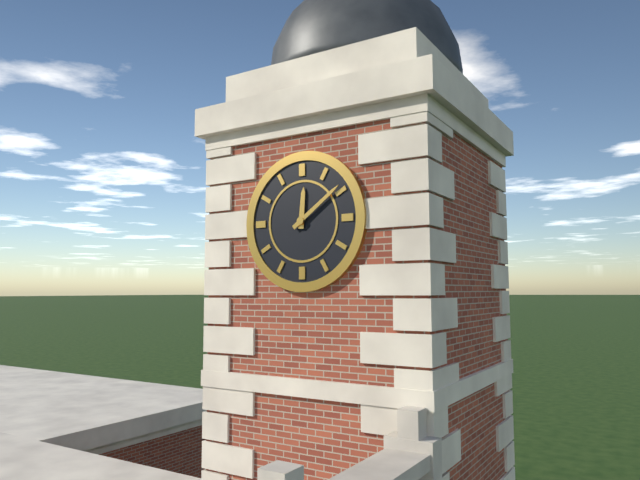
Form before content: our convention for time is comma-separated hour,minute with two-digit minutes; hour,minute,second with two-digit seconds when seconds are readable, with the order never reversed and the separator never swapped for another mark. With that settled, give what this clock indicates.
12,09
